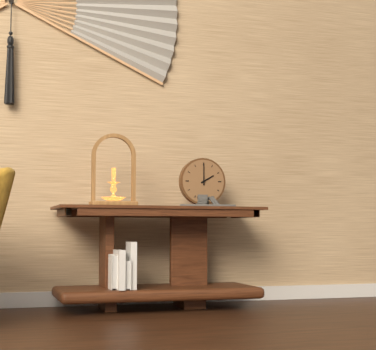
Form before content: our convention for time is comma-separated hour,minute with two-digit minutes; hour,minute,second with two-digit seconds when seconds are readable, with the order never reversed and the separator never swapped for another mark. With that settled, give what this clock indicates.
2,00
